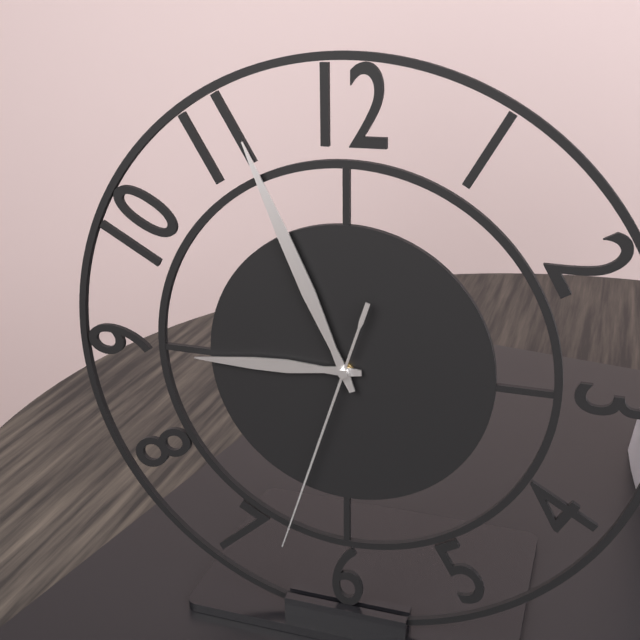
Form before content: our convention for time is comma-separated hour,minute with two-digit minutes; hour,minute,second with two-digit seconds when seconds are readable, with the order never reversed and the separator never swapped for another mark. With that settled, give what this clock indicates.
8,56,33
